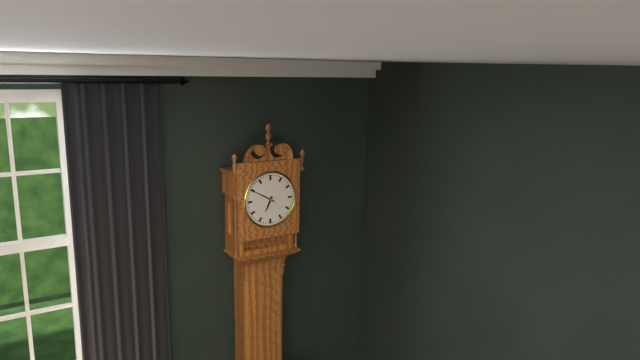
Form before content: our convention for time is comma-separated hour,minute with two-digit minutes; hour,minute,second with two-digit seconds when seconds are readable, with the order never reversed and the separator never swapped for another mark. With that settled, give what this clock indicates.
6,50
